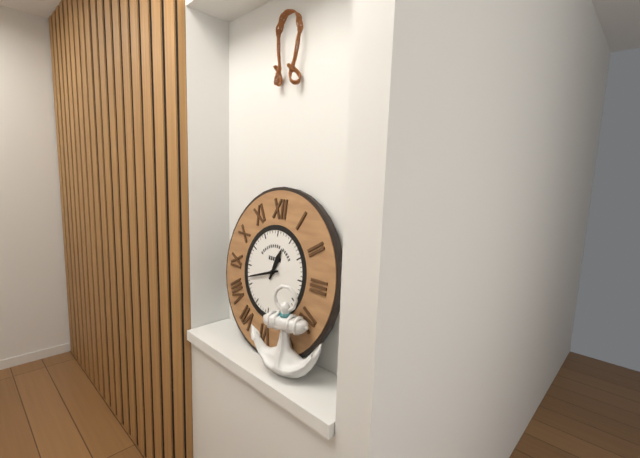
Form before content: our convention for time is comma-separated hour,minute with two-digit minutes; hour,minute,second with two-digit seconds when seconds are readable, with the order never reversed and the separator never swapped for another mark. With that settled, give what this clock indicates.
12,42
